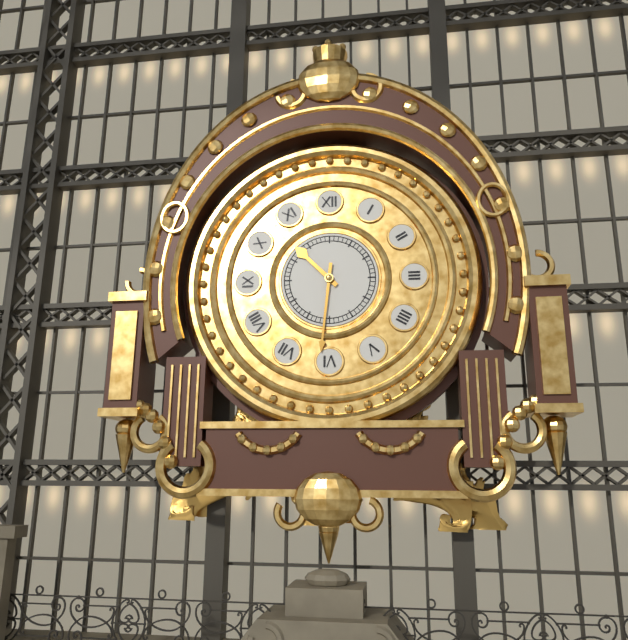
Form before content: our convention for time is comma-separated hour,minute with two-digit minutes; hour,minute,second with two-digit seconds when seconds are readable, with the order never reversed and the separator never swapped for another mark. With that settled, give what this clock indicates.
10,31
